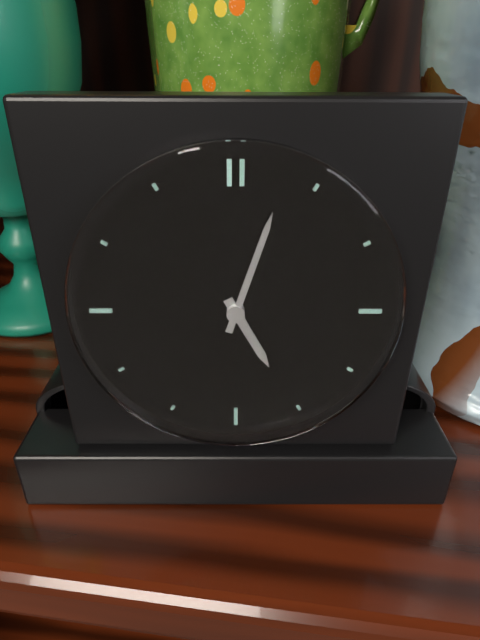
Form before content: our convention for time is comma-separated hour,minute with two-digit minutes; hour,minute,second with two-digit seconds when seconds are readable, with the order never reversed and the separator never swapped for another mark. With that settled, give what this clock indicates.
5,03
